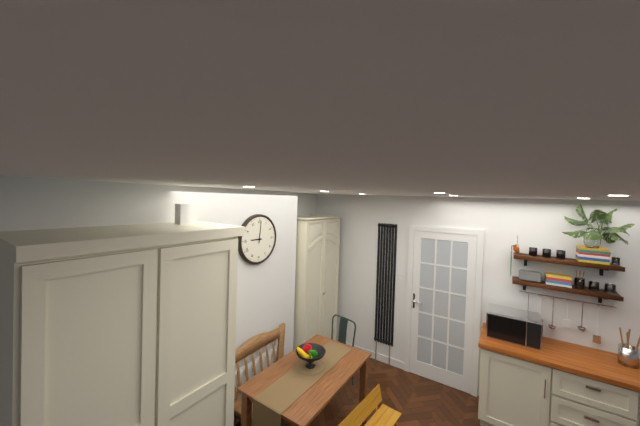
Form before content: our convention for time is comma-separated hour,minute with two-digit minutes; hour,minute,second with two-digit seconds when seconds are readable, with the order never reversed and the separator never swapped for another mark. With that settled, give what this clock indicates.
9,01
